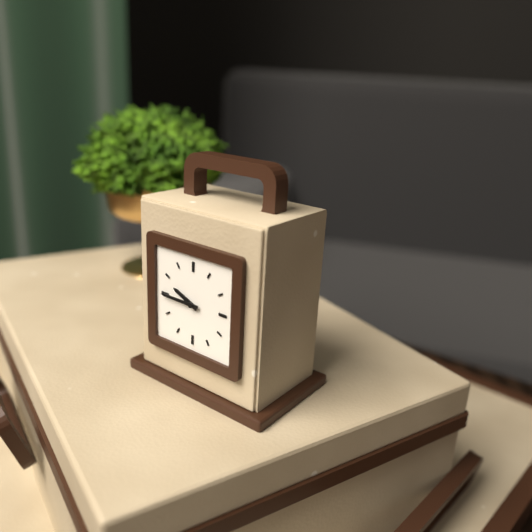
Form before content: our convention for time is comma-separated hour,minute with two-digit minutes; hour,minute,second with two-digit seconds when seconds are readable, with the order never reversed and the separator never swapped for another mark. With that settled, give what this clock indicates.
9,45
